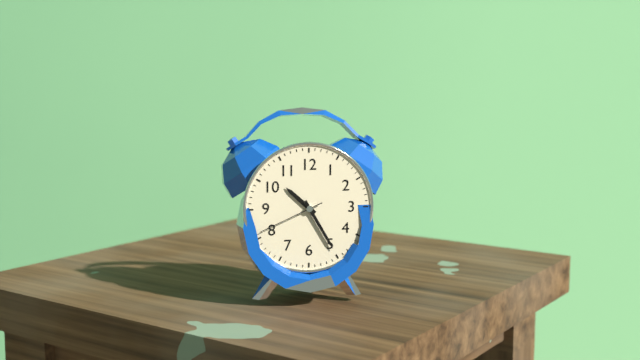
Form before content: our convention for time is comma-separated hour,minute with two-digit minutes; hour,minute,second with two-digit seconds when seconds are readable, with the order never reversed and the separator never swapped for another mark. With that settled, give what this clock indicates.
10,25,41
